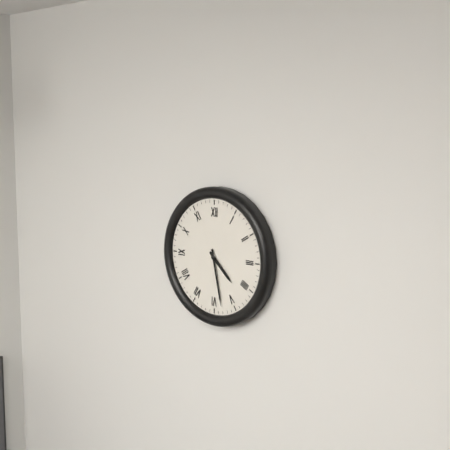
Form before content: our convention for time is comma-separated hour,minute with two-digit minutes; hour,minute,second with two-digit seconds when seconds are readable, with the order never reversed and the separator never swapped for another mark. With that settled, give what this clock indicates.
4,28
